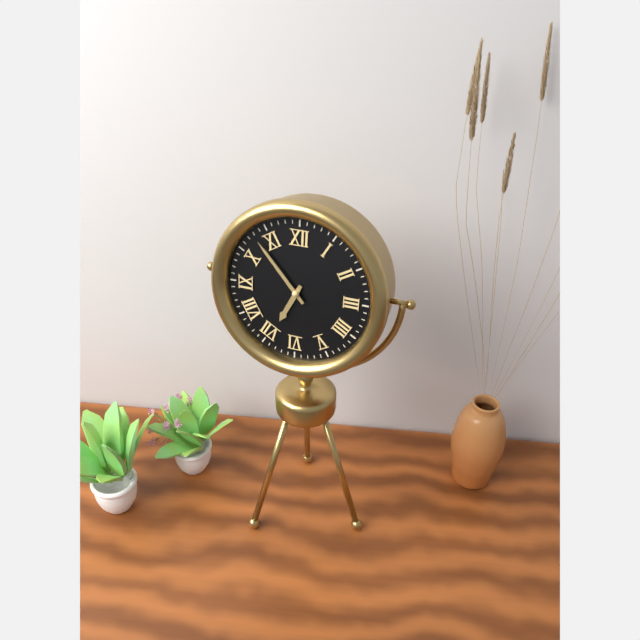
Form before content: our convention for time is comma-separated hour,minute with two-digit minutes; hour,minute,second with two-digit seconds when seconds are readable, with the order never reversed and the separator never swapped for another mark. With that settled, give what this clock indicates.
6,53
